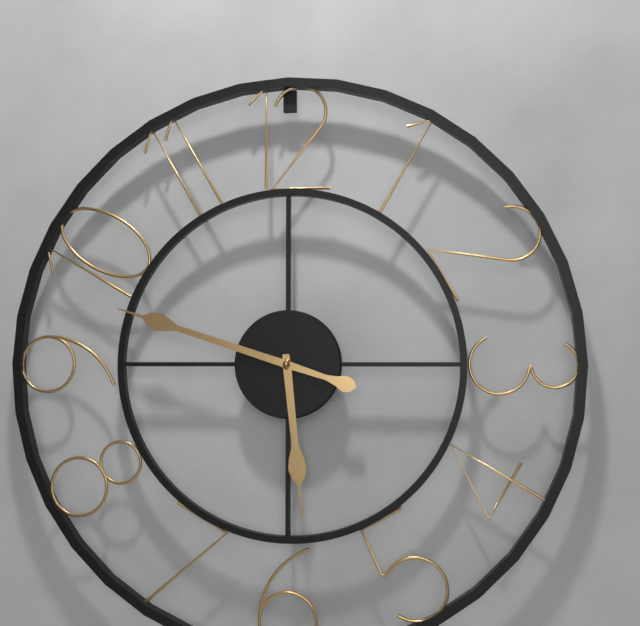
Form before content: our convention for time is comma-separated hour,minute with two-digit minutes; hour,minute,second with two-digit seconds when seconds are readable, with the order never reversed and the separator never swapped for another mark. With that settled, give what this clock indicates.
5,48
